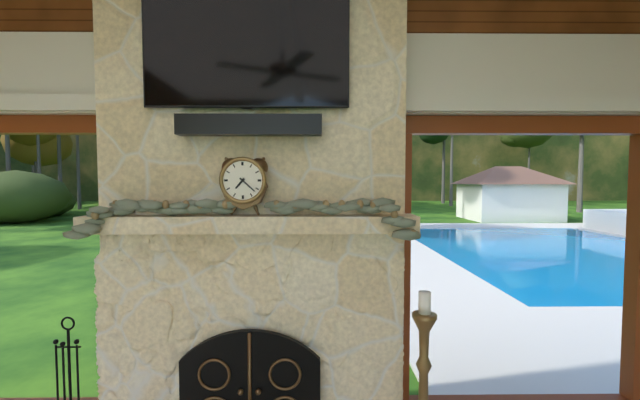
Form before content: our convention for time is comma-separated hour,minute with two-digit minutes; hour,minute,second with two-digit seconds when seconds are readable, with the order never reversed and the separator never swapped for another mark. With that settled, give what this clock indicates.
7,22
